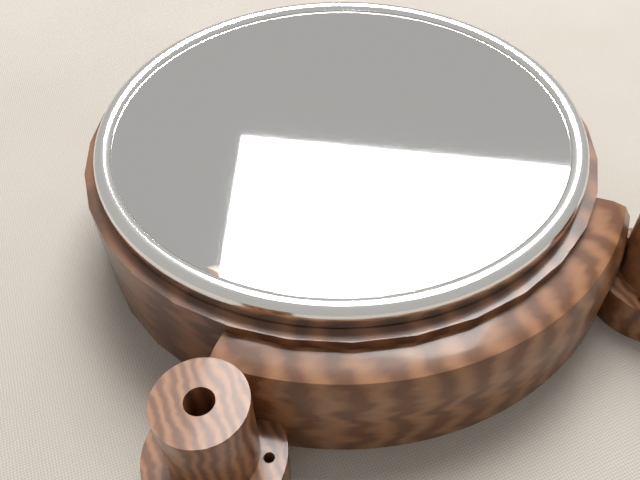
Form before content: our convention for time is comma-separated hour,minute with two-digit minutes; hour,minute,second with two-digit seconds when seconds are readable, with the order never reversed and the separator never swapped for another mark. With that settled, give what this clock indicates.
12,36
